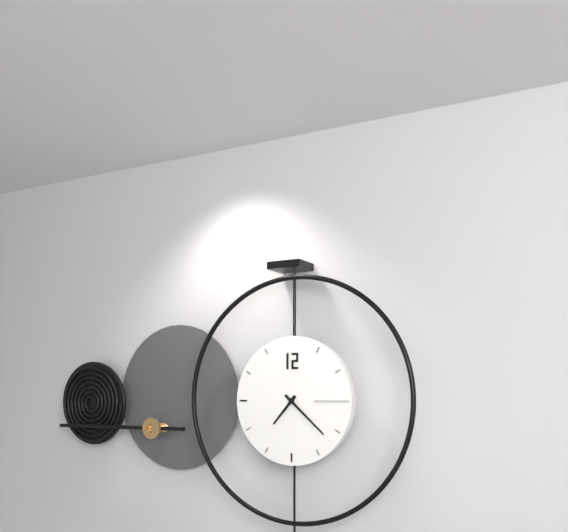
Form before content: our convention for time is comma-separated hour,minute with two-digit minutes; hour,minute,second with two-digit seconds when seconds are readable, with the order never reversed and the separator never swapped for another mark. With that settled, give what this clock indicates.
7,22
